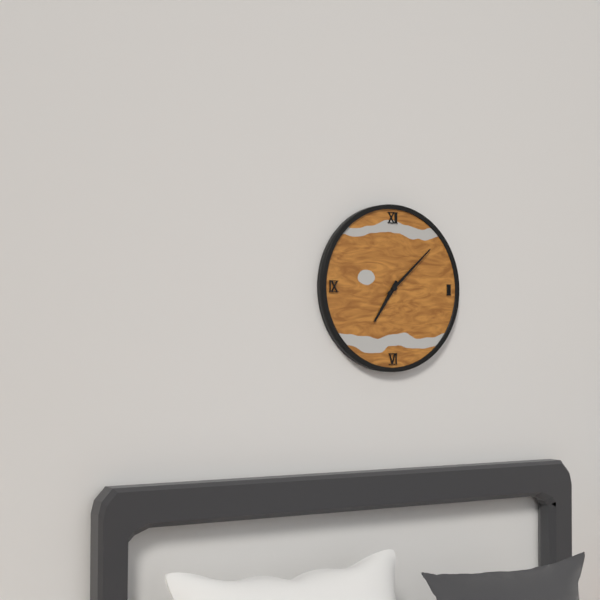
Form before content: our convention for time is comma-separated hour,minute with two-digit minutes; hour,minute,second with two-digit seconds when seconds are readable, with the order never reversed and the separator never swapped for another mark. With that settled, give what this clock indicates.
7,08
